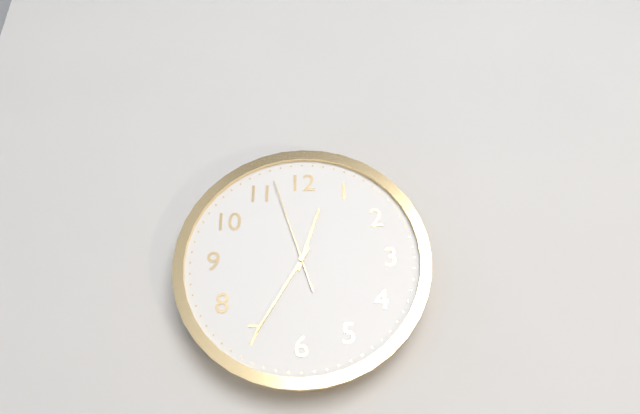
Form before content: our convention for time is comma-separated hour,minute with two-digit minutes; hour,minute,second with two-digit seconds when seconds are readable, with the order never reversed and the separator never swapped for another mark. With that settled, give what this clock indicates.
12,35,57
